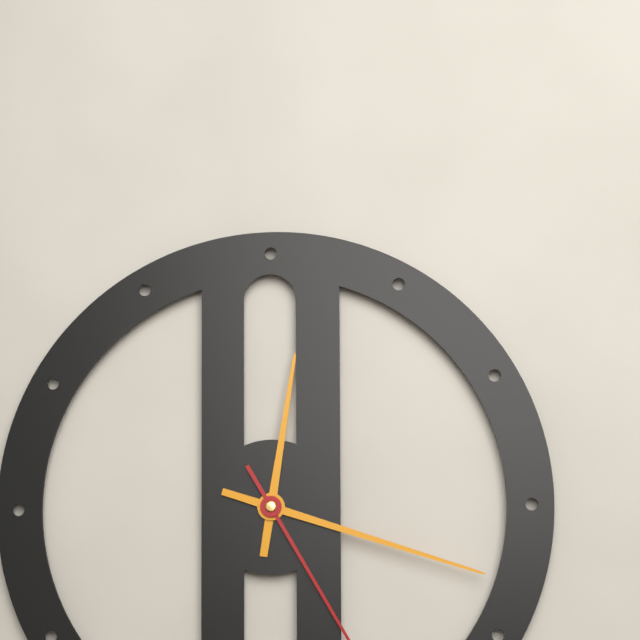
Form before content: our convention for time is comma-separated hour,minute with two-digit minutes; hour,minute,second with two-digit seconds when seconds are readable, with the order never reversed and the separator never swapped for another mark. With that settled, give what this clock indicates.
12,18
